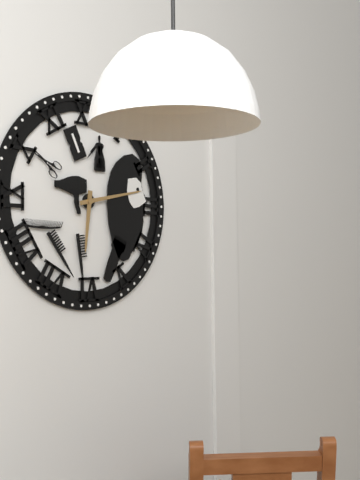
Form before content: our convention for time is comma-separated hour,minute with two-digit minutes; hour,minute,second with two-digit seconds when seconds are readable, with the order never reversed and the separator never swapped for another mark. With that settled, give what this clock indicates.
6,13
